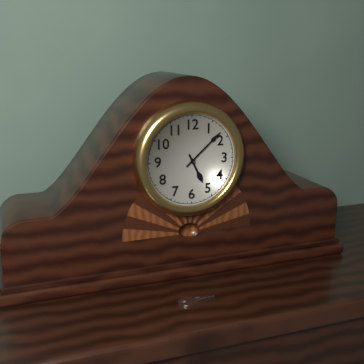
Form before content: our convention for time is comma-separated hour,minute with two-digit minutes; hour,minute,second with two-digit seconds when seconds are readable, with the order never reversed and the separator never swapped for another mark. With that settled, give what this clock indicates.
5,08
